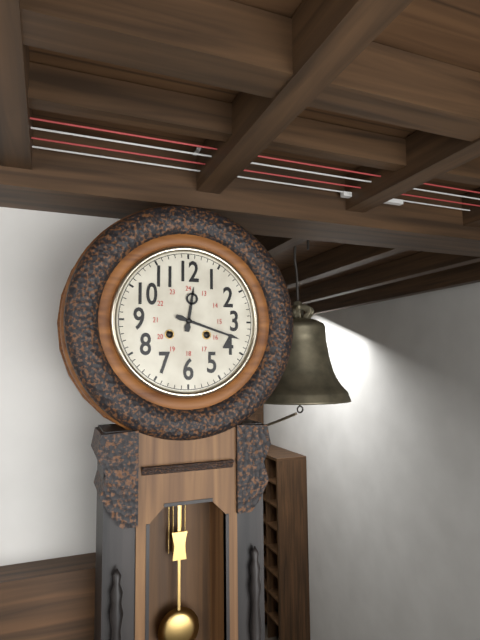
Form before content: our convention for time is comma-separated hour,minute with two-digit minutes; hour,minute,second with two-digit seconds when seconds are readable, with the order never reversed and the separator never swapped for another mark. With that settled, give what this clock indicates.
12,18
